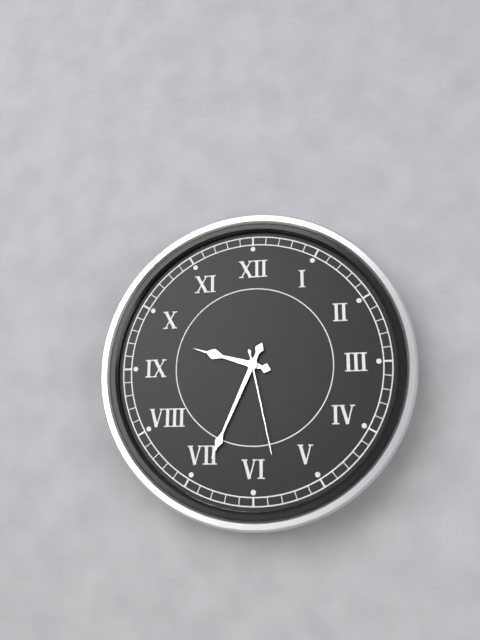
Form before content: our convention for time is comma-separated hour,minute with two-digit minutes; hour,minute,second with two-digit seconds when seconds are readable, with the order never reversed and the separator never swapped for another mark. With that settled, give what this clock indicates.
9,34,28
